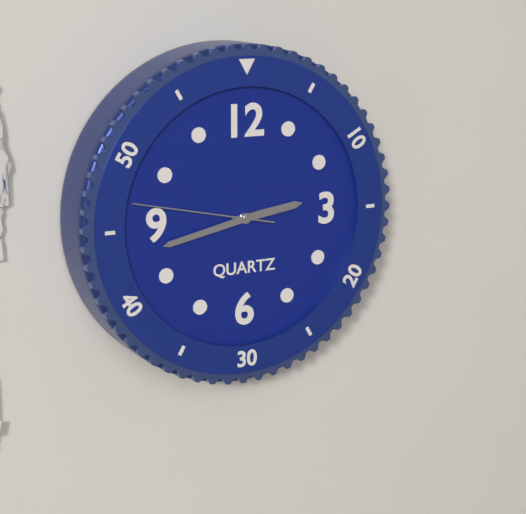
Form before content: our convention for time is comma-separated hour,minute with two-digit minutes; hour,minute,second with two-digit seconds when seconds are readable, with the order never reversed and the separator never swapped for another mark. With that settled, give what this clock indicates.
2,43,47
